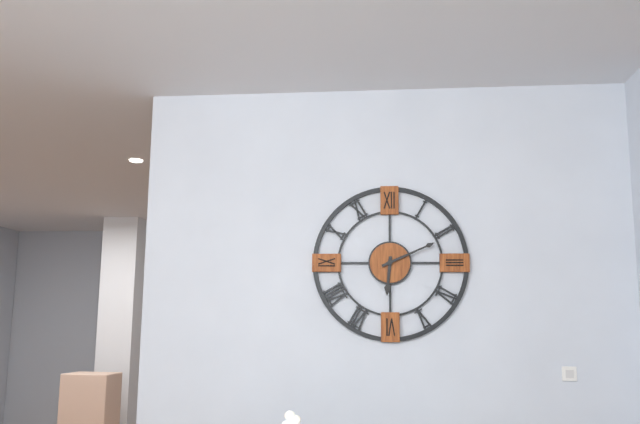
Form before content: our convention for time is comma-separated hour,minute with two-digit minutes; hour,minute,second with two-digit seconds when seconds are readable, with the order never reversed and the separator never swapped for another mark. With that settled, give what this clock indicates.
6,11
